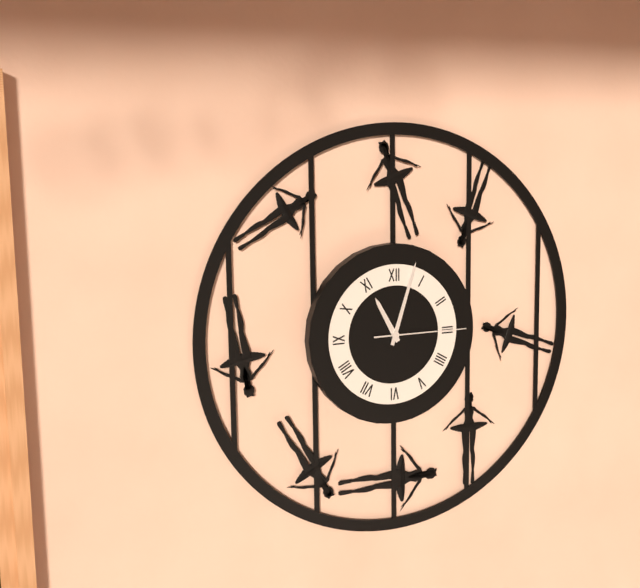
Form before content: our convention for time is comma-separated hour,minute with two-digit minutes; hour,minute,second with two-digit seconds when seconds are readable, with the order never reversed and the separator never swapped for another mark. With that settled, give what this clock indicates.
11,03,15
